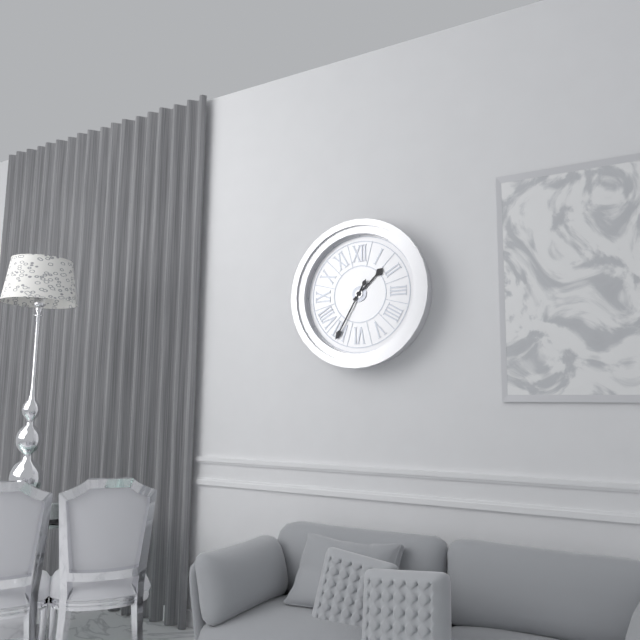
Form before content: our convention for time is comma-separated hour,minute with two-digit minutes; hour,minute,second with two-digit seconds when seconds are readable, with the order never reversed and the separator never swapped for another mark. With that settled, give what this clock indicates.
1,35
